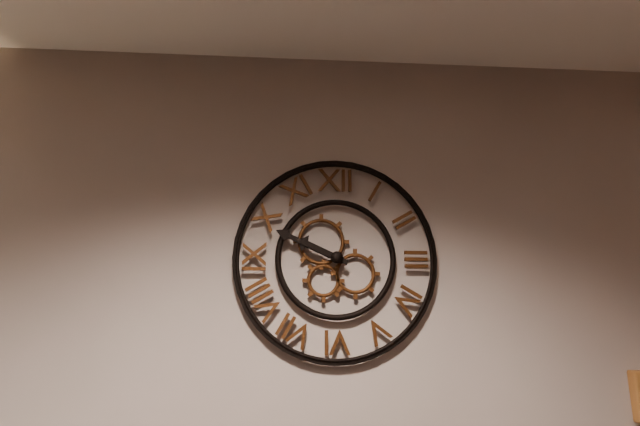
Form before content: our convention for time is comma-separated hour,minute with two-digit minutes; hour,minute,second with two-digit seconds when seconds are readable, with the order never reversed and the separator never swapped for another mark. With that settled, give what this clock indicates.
9,49
